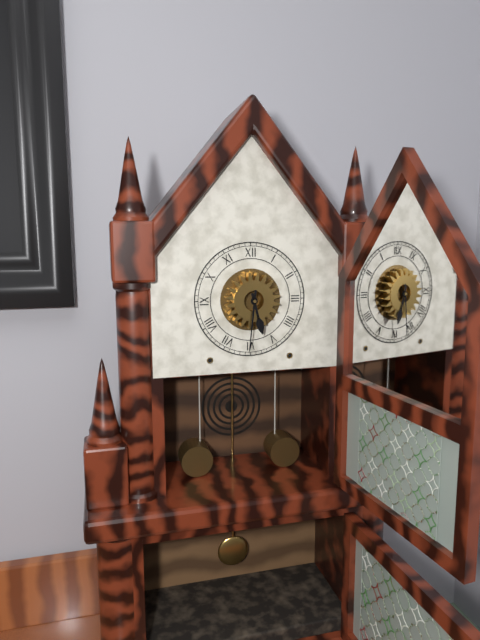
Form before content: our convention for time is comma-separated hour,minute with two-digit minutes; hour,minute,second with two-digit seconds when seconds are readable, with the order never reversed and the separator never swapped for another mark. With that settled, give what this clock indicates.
5,31
